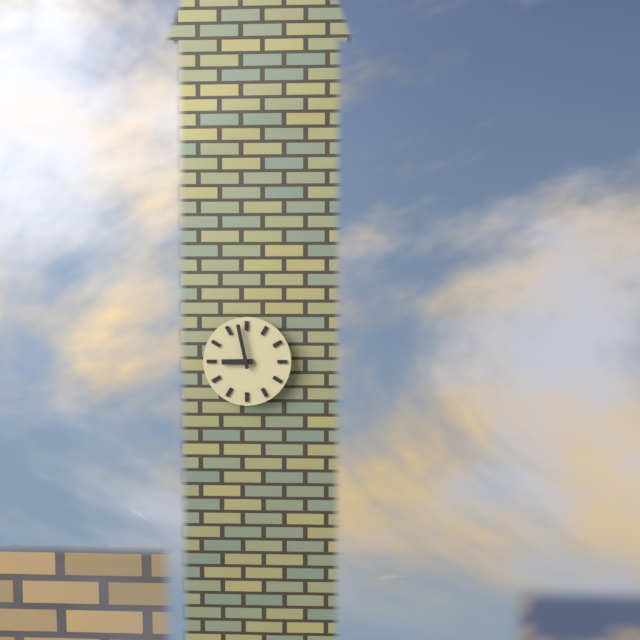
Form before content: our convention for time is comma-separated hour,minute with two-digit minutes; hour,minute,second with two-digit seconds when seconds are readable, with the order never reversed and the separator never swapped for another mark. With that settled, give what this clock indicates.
8,58
